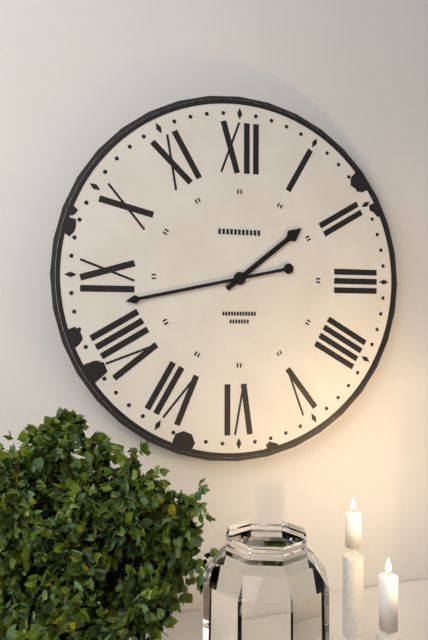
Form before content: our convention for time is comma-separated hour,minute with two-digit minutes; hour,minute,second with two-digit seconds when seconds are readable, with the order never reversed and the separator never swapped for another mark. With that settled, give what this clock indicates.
1,43
